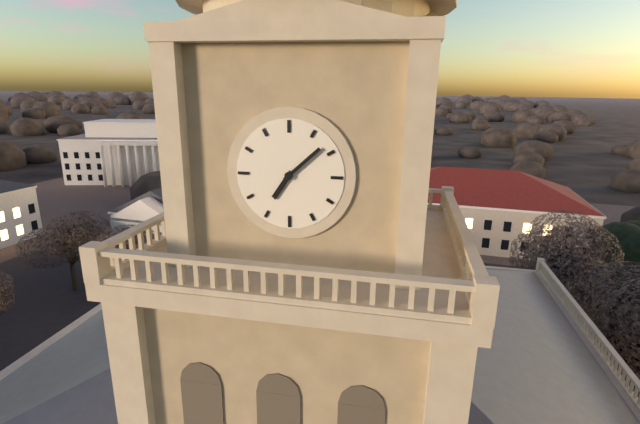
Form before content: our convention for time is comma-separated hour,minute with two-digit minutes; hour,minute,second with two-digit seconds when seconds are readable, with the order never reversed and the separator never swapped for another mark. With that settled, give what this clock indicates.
7,08
